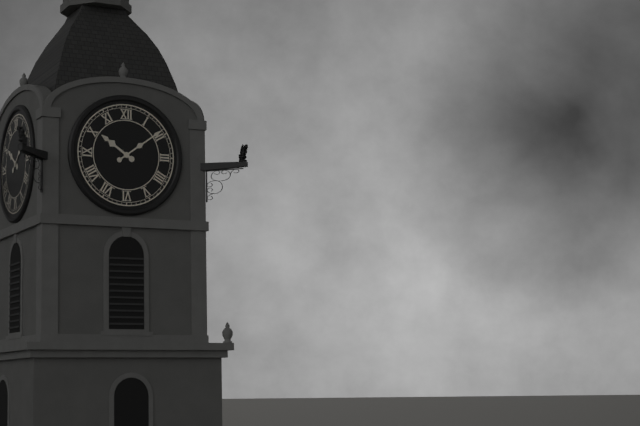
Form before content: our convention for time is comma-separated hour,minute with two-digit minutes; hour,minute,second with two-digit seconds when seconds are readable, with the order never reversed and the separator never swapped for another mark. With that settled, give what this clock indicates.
10,09
